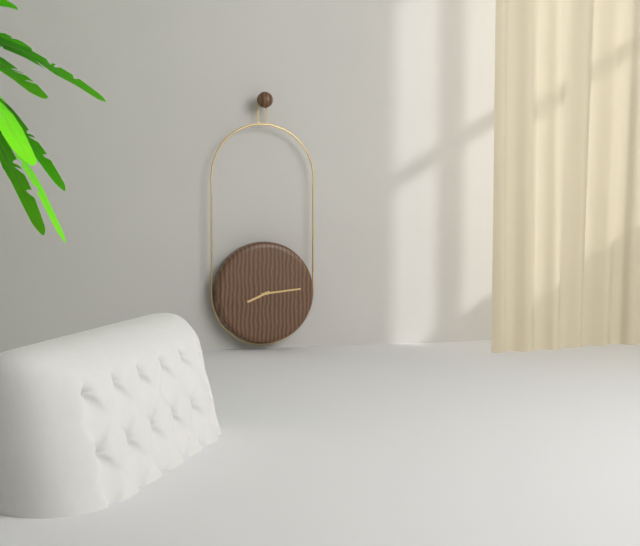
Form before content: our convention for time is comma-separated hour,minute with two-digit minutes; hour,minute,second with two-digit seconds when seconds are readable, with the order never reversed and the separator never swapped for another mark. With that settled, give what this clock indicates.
8,14
